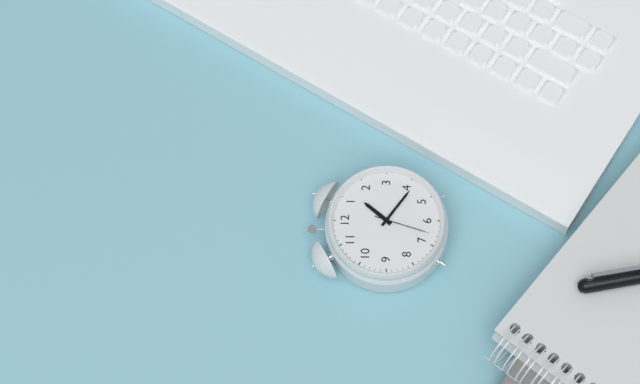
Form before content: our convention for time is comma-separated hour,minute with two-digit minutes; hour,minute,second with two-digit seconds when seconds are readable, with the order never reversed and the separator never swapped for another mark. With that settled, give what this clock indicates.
1,21,33
